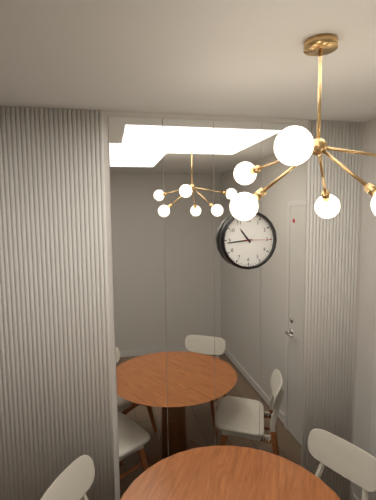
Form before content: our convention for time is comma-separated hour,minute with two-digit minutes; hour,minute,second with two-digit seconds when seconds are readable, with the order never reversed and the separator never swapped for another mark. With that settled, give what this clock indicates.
10,44
